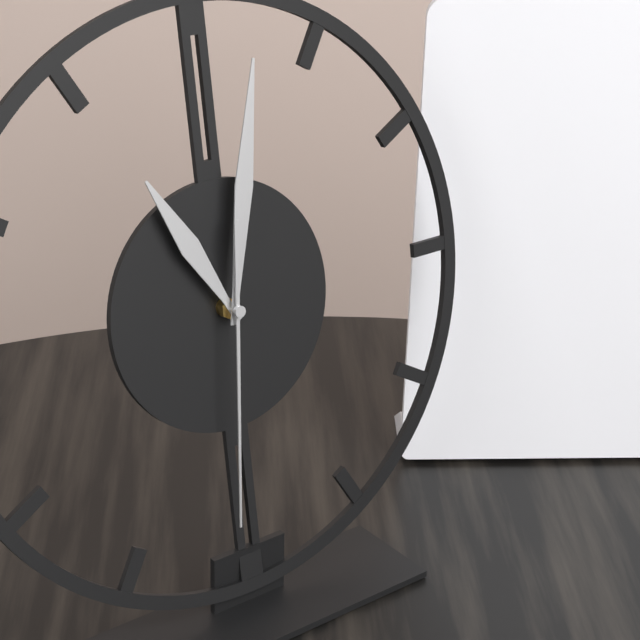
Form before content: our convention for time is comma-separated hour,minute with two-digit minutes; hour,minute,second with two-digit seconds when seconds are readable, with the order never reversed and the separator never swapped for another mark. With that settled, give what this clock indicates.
11,02,31
